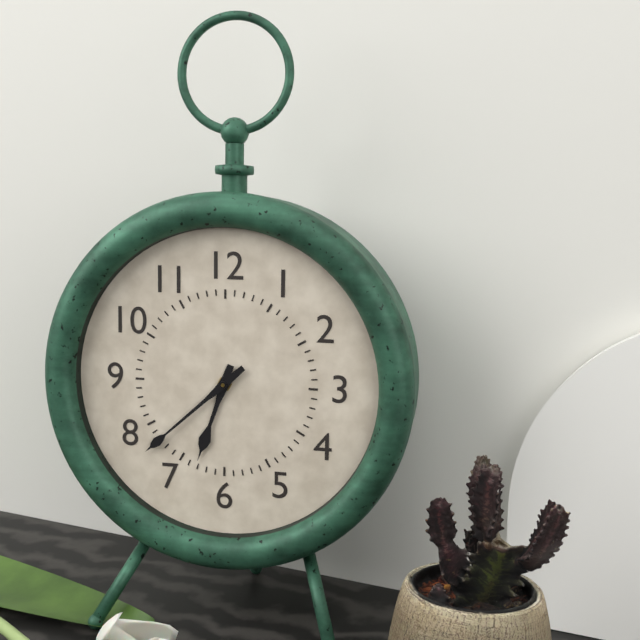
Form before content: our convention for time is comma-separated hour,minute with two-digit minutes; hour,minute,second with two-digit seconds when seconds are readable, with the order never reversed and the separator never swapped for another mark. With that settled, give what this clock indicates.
6,38
